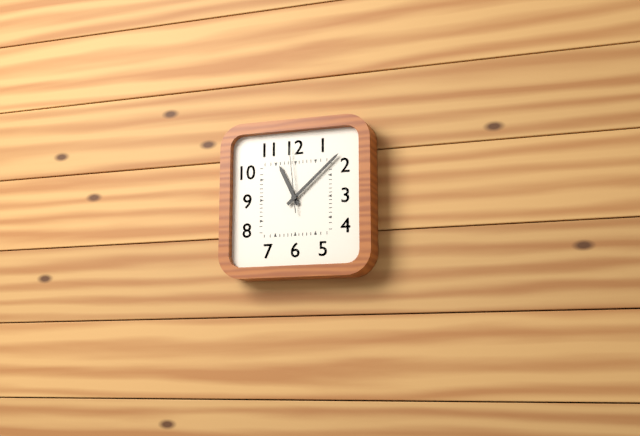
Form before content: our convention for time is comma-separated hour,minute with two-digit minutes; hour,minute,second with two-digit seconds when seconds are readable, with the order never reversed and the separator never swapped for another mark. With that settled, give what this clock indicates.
11,08,59
